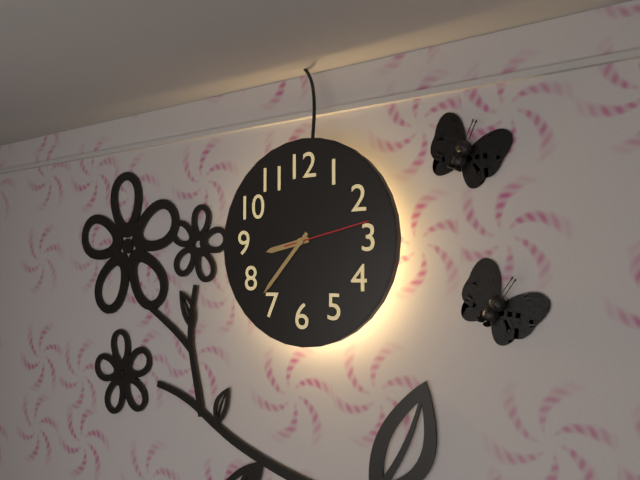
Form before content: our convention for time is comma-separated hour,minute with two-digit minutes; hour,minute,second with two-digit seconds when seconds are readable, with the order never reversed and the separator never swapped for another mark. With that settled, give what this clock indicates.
8,37,13
